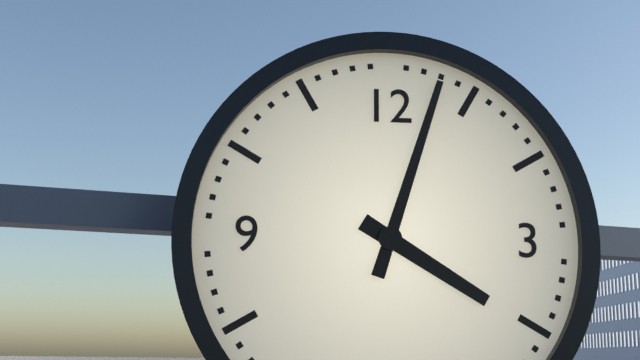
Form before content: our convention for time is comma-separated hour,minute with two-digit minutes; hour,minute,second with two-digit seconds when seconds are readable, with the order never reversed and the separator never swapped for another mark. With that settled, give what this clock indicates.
4,03
